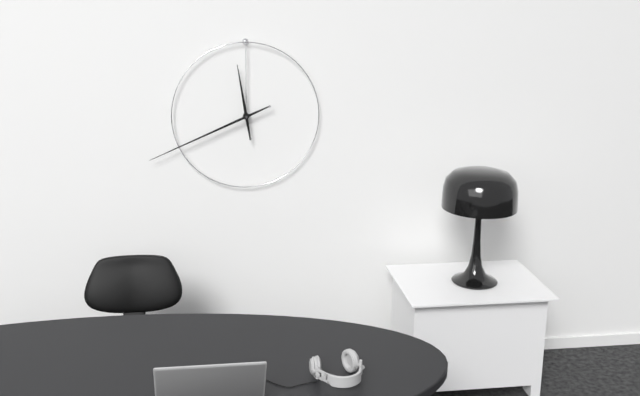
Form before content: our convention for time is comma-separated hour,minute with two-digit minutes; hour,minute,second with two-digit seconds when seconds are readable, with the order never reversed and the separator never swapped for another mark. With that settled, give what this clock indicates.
11,41
